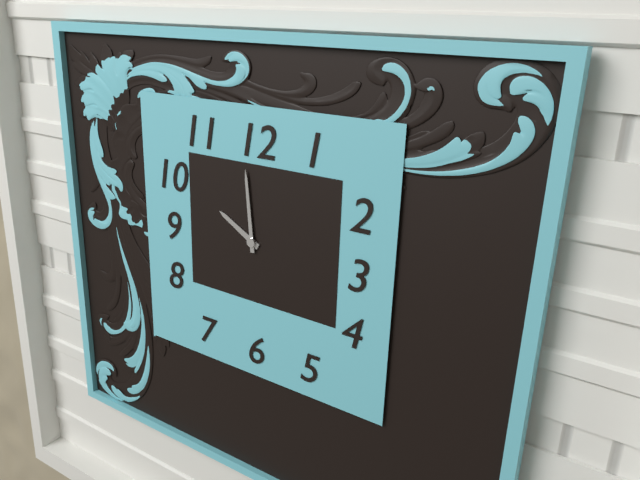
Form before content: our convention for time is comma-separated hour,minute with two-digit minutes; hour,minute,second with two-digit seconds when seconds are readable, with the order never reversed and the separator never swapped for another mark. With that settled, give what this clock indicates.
9,59
